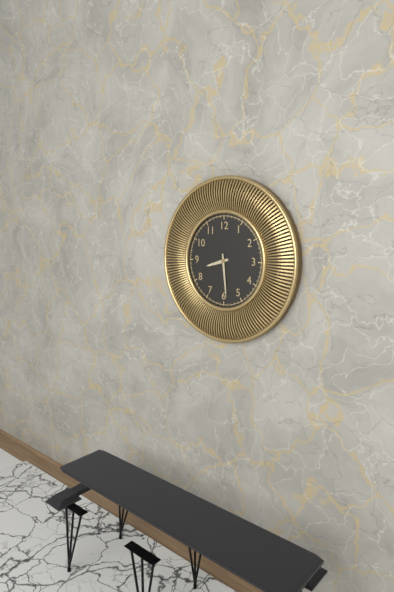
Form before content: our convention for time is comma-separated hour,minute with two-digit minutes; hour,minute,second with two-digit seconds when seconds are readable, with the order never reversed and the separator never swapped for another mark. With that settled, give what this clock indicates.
8,29
